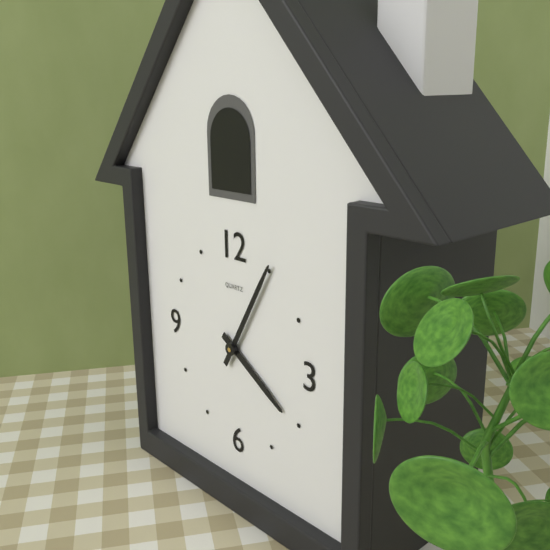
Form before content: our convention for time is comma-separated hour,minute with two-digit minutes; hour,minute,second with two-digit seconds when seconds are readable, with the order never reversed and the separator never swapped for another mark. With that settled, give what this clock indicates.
4,05
